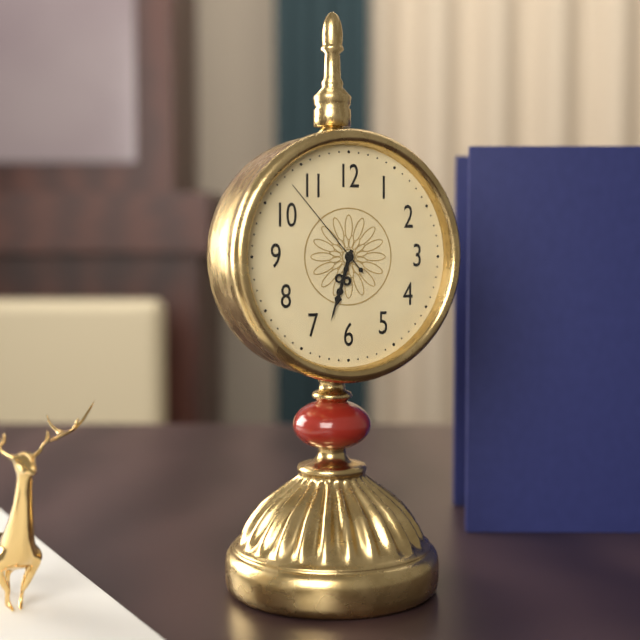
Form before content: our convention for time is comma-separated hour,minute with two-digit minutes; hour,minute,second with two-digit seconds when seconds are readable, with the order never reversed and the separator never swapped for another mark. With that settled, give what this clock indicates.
6,33,53
